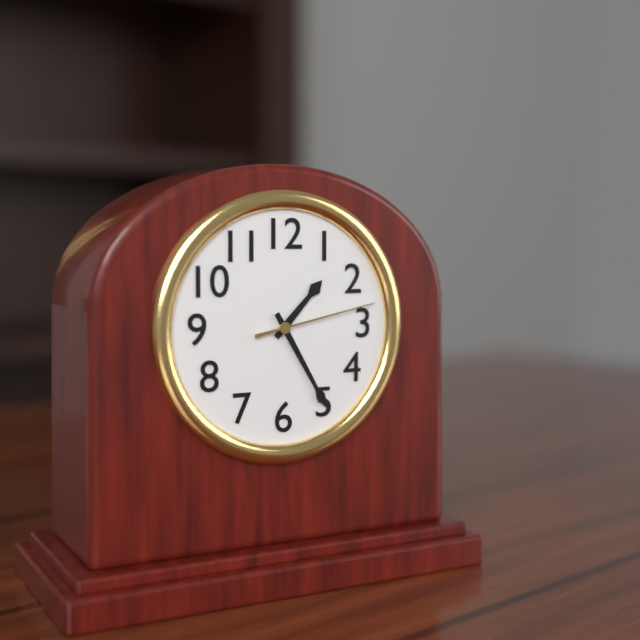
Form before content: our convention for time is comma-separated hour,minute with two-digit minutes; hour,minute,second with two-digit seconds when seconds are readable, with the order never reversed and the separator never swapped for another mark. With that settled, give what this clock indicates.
1,25,13
